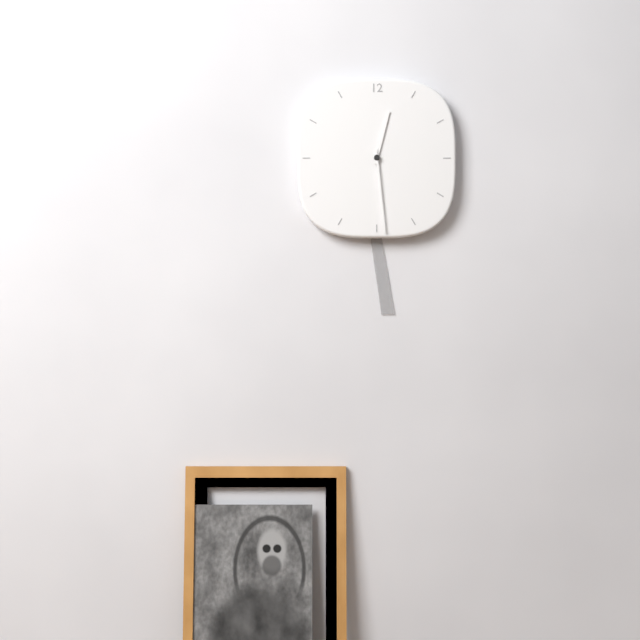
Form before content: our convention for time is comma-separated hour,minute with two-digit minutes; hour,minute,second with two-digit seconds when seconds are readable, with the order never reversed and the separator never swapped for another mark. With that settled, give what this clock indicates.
12,29
